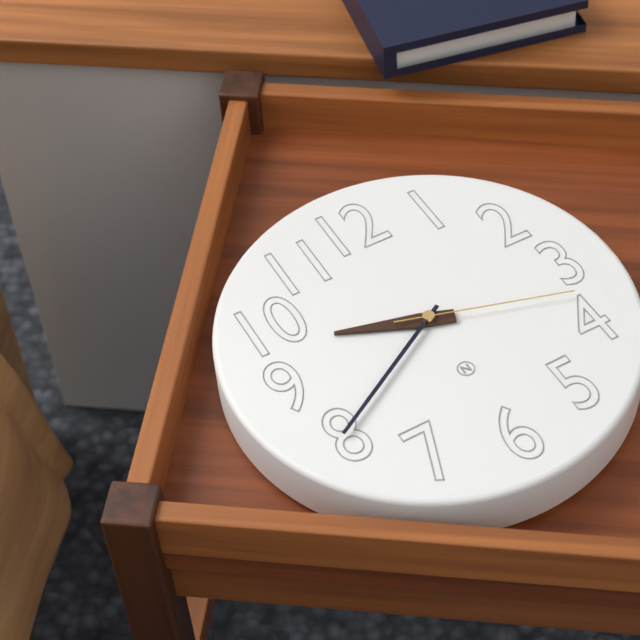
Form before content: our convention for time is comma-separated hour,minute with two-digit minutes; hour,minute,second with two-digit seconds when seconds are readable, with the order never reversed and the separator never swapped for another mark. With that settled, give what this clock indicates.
9,40,18
